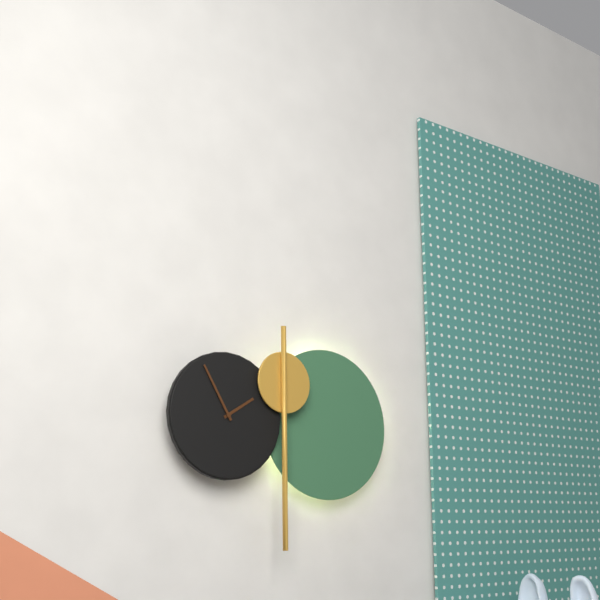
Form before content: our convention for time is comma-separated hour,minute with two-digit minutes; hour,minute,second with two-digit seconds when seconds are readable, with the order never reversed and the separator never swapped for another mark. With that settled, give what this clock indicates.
1,55
